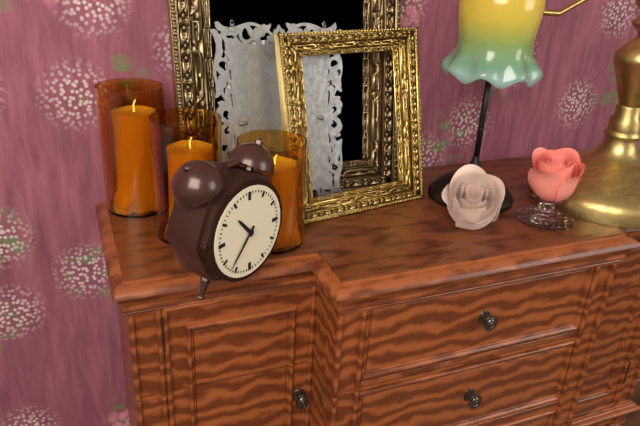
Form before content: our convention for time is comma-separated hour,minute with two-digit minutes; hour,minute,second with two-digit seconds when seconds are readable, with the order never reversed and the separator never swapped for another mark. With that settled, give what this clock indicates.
10,37
